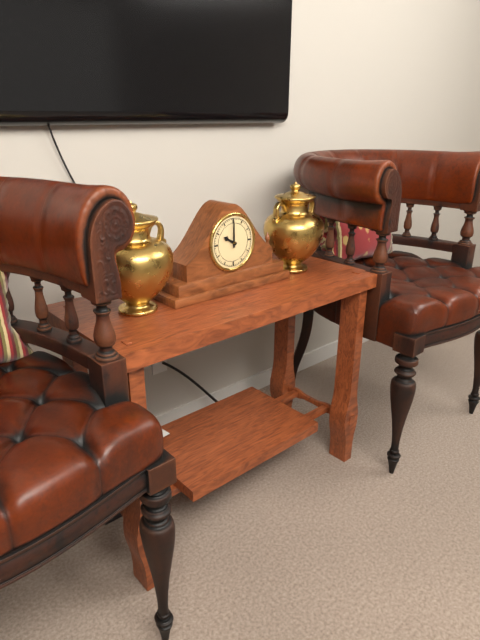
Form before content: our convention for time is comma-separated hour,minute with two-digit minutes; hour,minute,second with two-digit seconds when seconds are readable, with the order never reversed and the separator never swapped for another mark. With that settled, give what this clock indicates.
10,00
